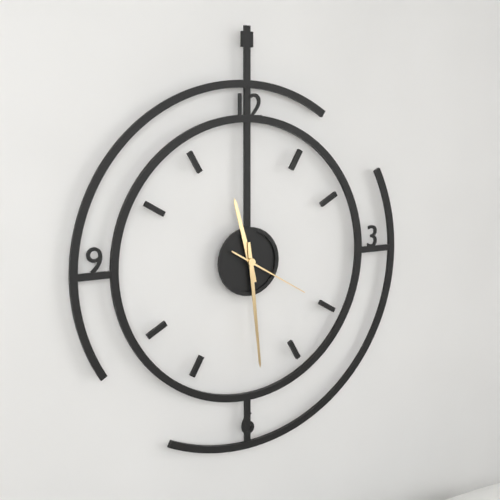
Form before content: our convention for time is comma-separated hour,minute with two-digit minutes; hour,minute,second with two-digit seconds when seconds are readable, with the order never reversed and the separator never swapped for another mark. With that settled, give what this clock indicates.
11,29,20
